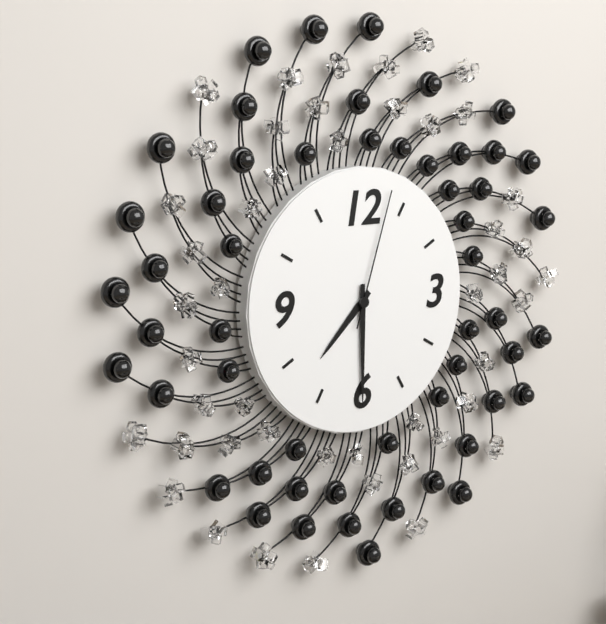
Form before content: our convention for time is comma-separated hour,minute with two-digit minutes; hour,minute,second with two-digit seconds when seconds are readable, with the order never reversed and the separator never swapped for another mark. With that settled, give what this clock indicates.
7,30,03
